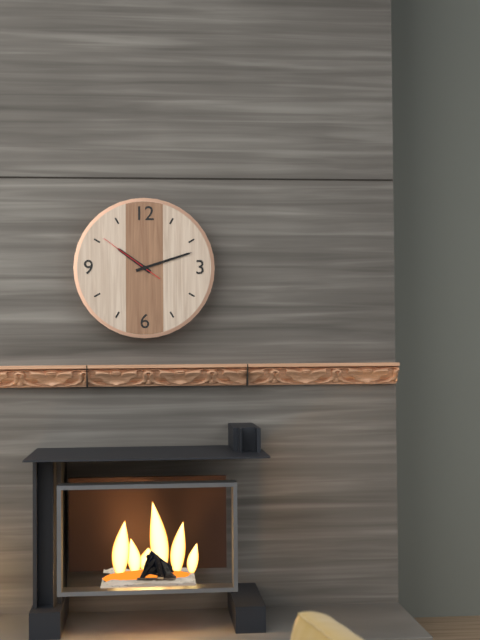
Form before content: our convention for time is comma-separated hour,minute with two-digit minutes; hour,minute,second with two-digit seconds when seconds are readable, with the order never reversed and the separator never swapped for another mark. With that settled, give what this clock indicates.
10,12,51
